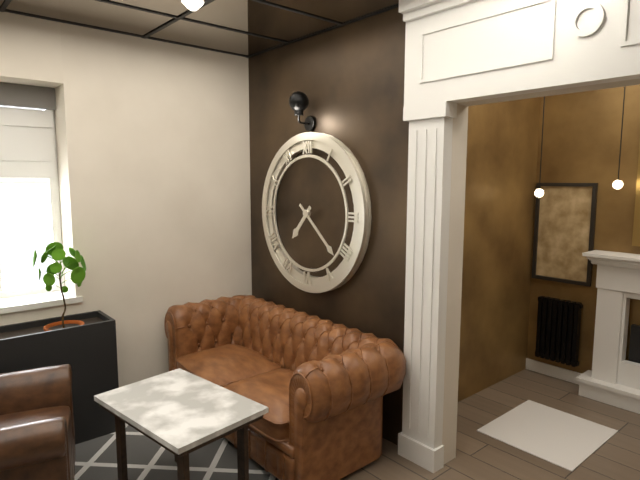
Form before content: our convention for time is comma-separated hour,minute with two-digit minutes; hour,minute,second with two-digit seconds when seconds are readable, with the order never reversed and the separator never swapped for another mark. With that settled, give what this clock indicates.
7,22
